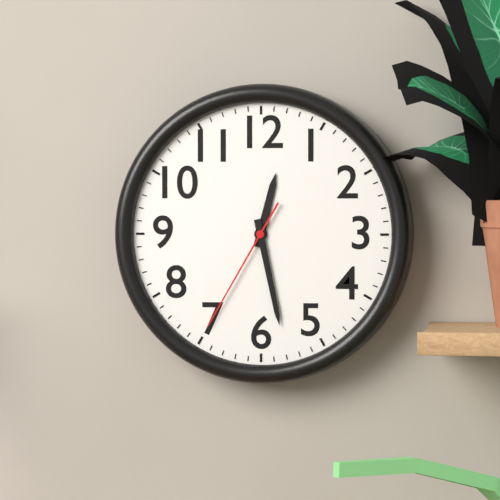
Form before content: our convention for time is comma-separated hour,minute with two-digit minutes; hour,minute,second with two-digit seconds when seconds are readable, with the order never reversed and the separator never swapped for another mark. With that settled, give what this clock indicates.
12,28,35
